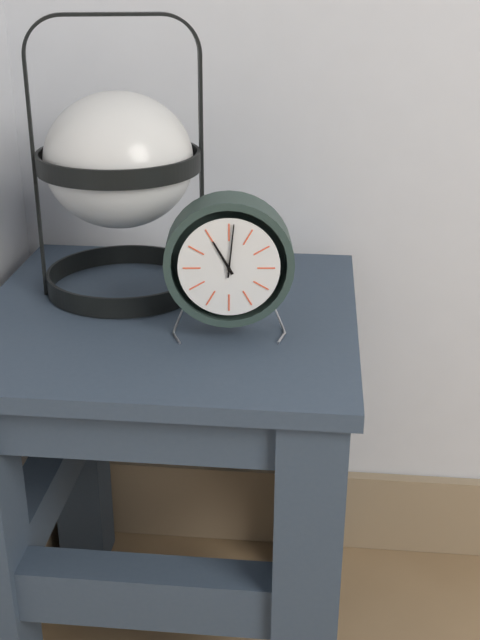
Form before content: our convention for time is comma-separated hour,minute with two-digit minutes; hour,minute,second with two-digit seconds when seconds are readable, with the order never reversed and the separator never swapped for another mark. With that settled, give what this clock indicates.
11,01
